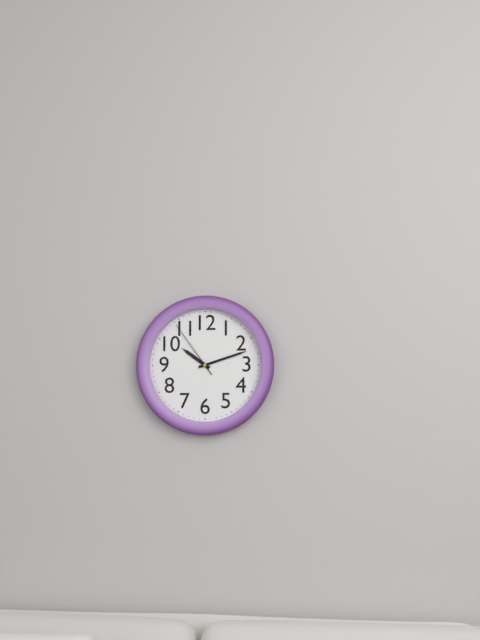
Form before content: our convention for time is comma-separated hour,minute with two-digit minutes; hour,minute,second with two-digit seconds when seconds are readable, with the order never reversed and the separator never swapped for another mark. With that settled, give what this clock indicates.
10,12,54
